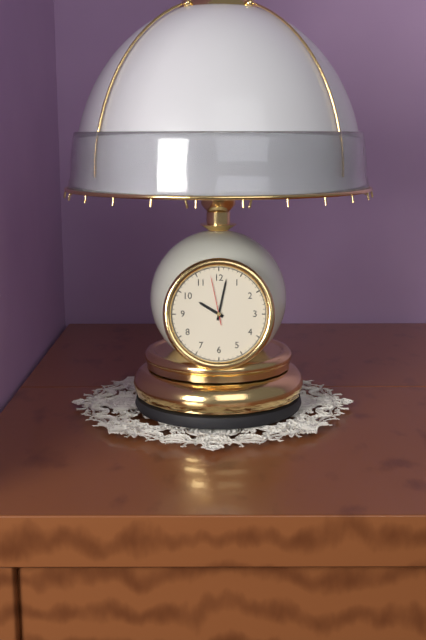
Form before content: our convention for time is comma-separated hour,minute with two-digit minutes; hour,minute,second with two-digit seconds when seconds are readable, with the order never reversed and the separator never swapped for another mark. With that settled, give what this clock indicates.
10,02,58
